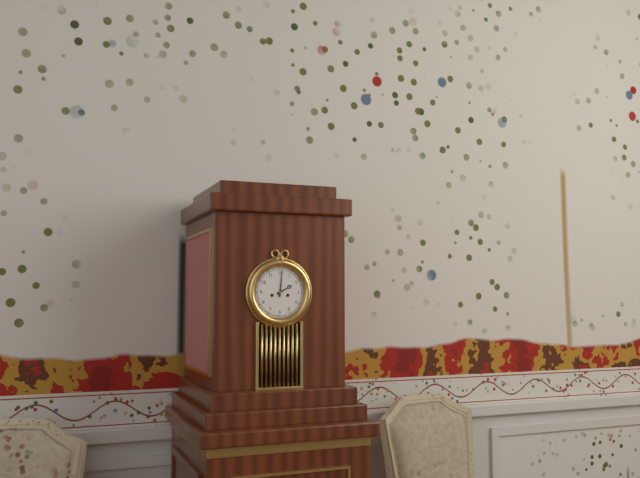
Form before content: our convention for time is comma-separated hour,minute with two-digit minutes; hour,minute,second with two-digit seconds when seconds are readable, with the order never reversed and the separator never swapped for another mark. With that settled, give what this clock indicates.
2,01
